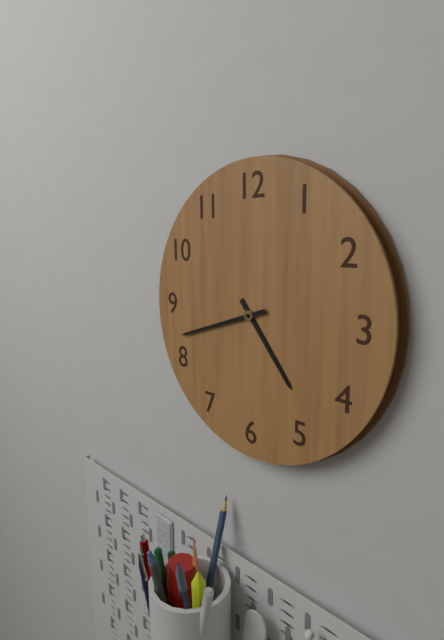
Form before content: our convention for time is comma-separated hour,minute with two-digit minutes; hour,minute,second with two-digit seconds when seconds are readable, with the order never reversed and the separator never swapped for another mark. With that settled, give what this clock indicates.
4,42
